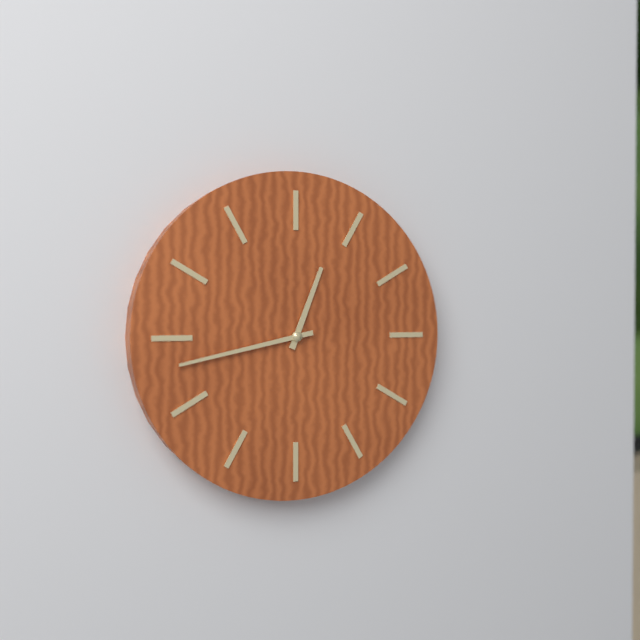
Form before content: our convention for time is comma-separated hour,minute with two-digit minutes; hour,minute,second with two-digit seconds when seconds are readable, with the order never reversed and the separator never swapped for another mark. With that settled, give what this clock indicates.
12,43
